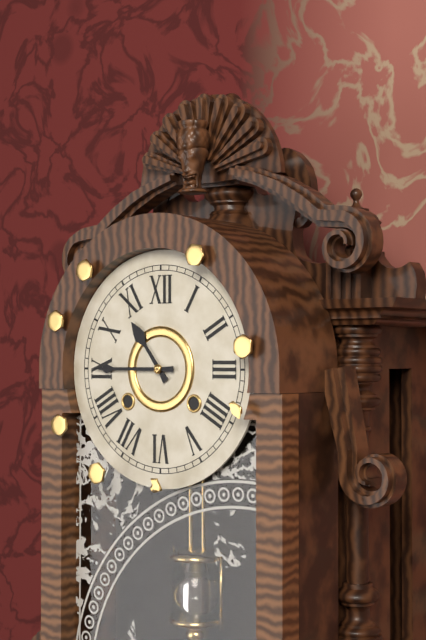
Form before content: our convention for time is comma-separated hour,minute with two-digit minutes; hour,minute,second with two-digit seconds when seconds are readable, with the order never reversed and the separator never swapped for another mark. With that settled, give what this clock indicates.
10,45
